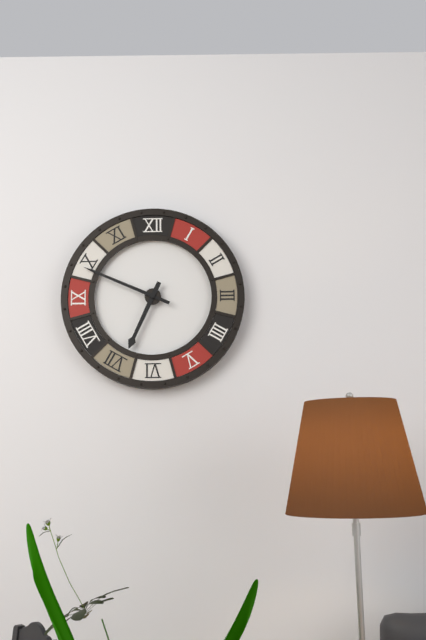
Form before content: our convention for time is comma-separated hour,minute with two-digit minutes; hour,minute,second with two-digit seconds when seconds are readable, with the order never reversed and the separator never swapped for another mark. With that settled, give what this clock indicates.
6,49
